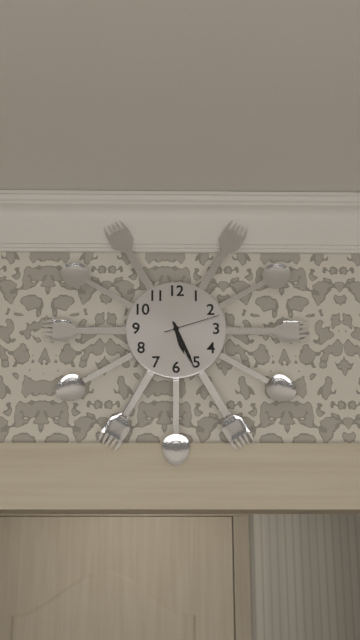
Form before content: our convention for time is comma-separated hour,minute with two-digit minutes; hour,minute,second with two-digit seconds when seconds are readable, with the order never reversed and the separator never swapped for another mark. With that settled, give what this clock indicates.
5,26,12
